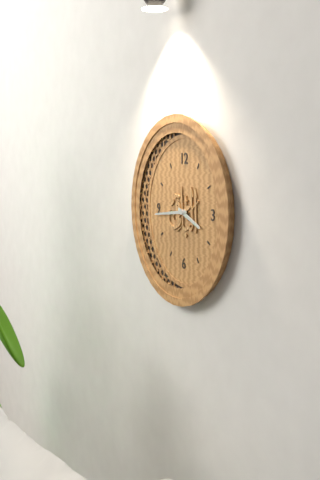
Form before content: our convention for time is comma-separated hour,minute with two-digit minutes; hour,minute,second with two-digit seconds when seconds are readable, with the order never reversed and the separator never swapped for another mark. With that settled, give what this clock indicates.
3,44
